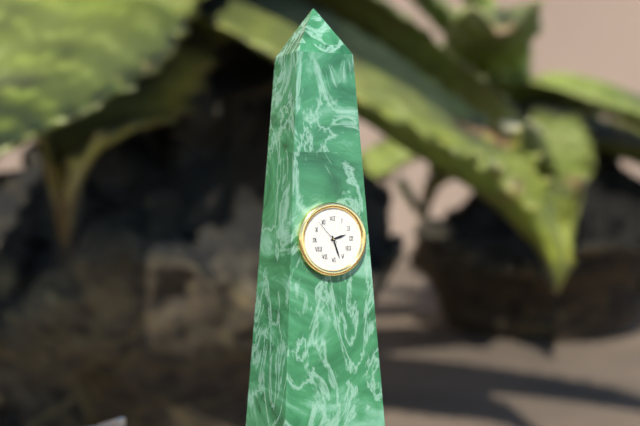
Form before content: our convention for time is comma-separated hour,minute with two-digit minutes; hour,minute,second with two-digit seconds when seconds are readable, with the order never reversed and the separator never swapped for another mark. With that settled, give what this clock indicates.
2,27
